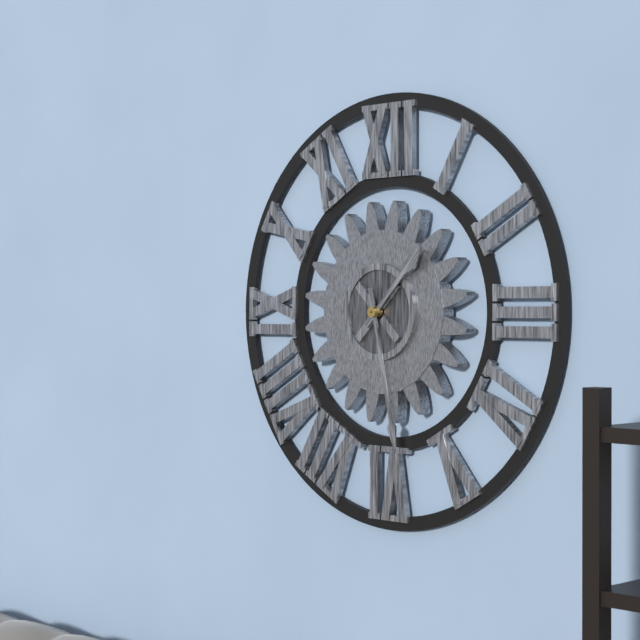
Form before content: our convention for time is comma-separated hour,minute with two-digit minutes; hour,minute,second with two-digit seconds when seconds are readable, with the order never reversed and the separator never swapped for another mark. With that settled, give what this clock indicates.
1,28
